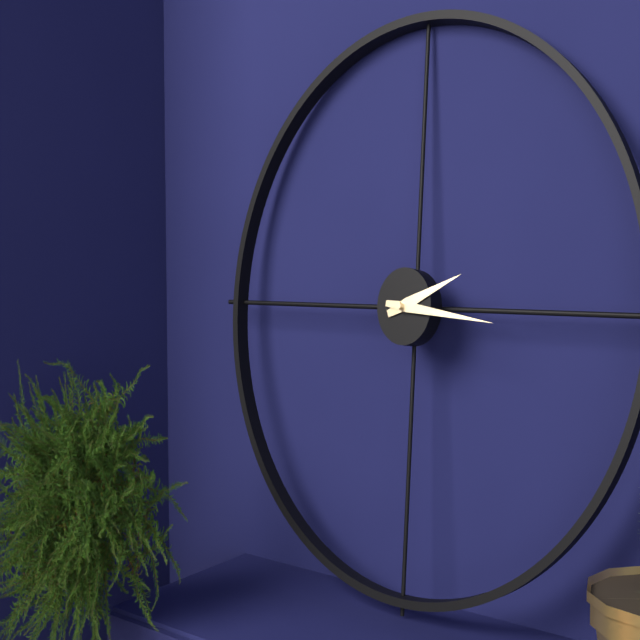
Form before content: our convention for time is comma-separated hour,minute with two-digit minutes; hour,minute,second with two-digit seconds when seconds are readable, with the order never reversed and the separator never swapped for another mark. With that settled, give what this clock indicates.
2,16
